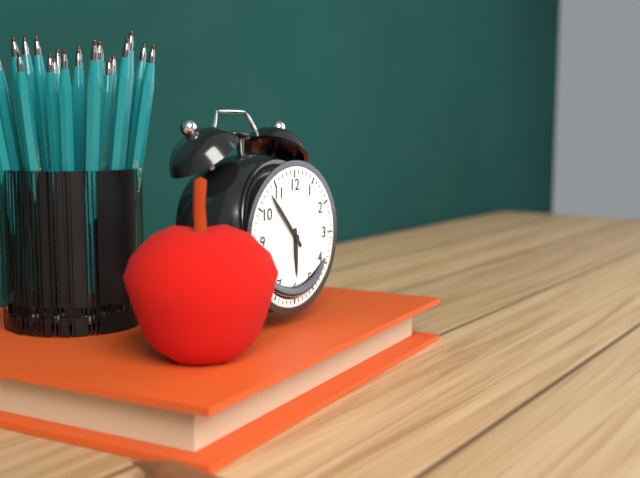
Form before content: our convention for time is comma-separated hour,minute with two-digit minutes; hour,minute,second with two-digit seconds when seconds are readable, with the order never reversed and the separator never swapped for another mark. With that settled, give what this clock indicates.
5,53
